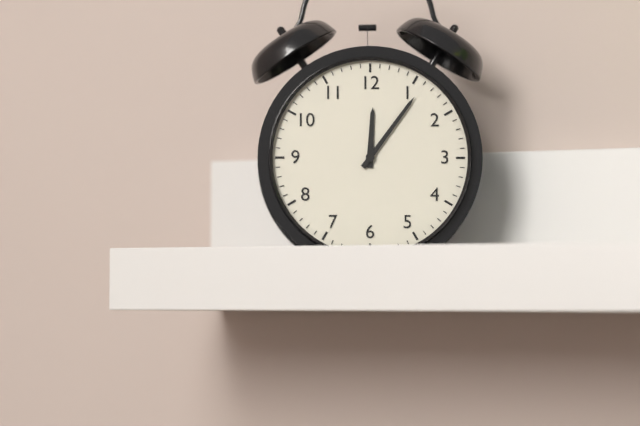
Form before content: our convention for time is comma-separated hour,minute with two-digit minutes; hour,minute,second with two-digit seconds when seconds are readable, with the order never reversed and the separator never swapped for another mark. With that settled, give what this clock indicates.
12,06
